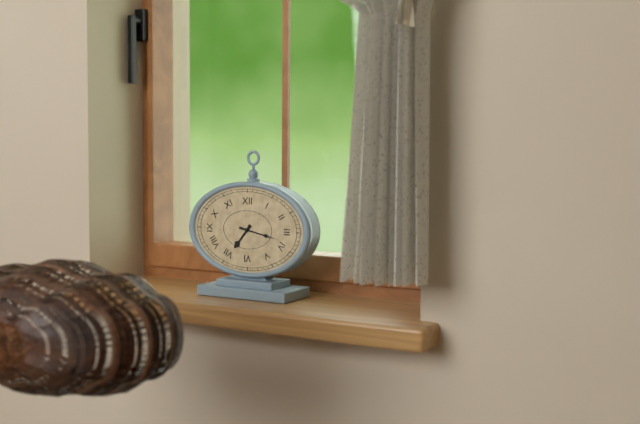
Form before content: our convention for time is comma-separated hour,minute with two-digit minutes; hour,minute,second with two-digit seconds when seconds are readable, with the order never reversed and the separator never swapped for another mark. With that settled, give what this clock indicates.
7,17
